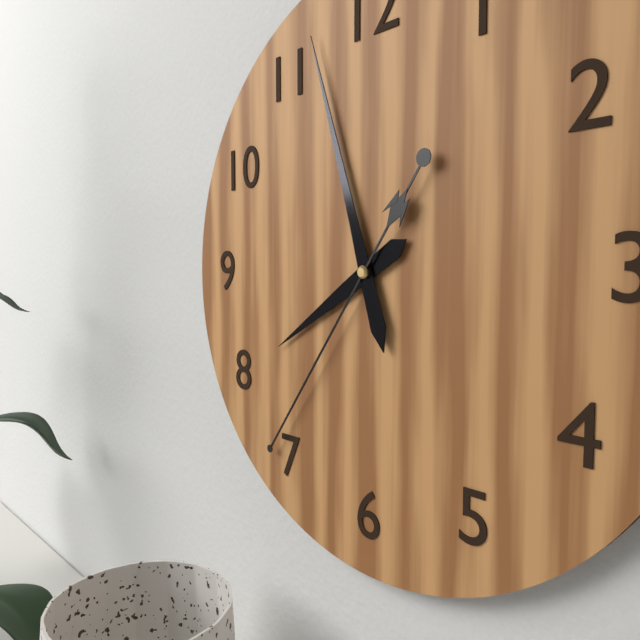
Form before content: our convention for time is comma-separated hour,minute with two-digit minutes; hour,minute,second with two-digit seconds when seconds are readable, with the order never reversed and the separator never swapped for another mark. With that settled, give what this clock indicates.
7,57,36
